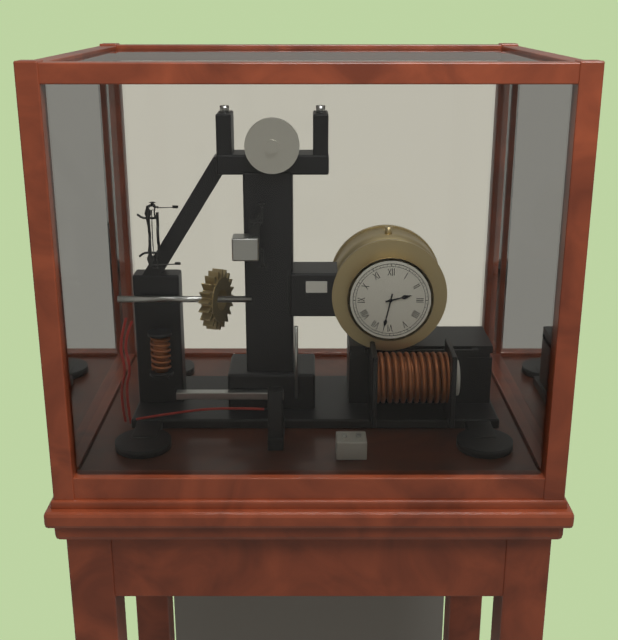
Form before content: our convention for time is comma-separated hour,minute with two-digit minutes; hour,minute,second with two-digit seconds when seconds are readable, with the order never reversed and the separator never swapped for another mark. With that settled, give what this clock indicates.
2,32
